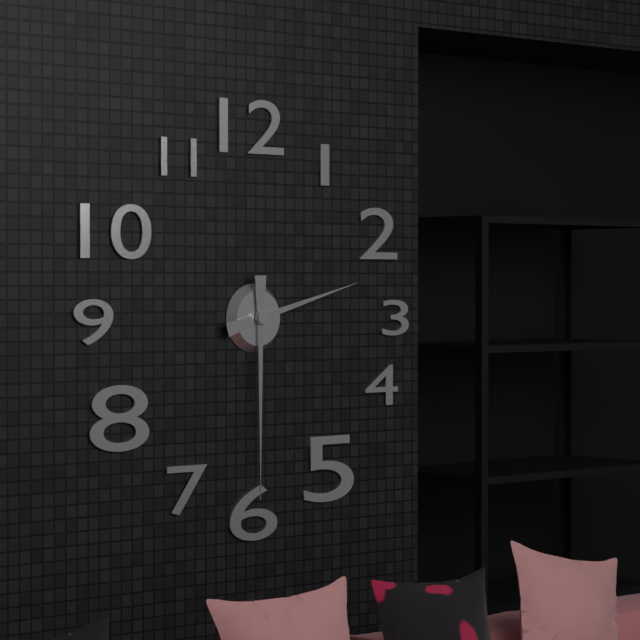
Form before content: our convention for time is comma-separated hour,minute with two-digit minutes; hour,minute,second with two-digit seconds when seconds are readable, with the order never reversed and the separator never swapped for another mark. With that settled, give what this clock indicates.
2,30
